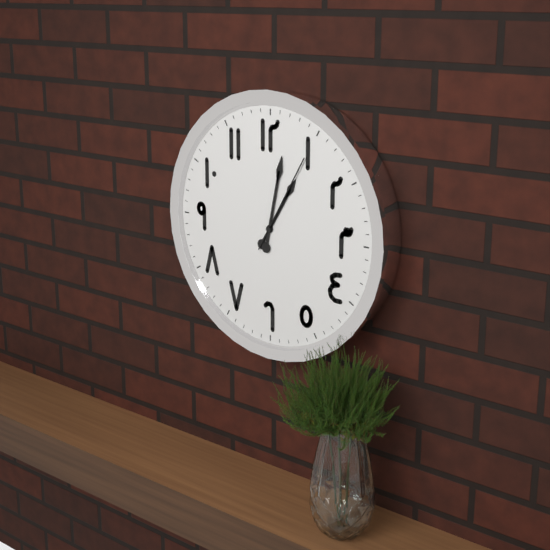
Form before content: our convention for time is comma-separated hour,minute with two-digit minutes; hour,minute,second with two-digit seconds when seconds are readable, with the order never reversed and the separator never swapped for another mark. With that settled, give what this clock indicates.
1,02,05
